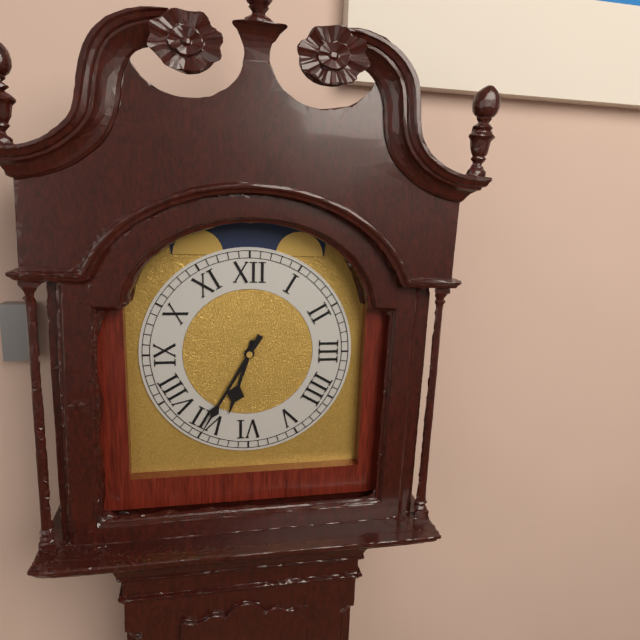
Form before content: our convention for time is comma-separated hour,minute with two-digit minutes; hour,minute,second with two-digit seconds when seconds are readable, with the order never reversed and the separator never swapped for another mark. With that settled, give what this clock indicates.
6,35
